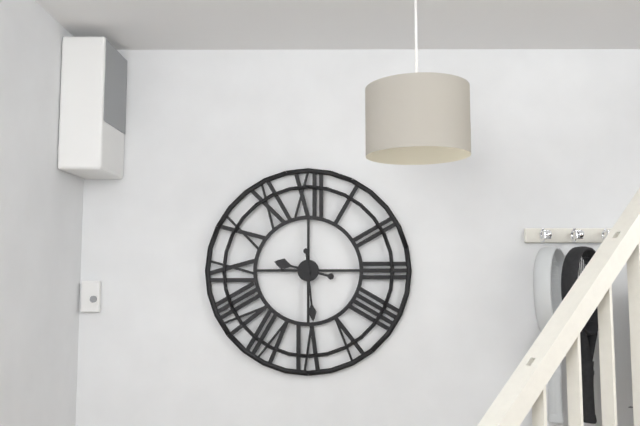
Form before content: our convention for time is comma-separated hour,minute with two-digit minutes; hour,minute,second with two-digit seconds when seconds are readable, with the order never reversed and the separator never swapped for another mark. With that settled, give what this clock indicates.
9,29
